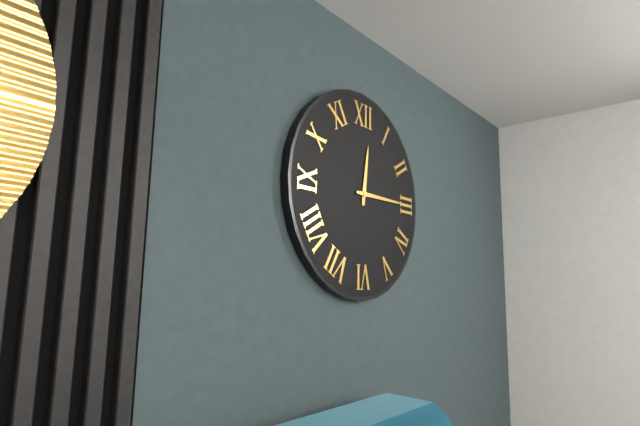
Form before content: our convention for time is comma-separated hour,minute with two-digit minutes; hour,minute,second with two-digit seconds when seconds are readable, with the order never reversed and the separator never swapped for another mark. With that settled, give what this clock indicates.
12,15
